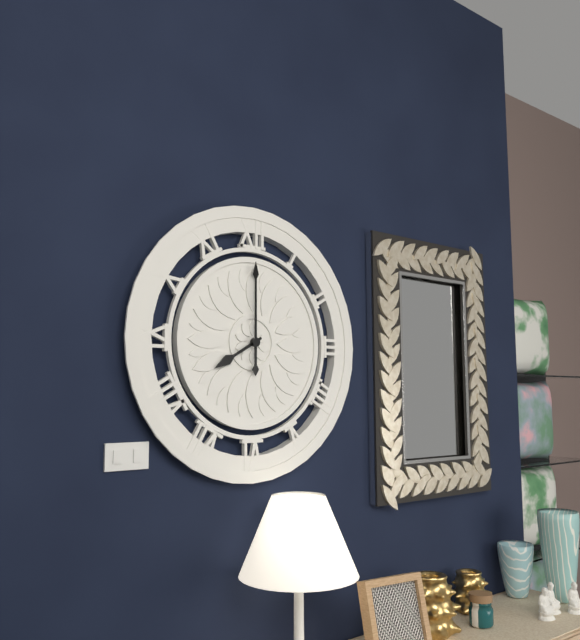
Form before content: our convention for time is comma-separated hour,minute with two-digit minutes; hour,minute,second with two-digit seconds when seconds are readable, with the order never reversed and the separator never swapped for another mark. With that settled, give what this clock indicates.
8,00
